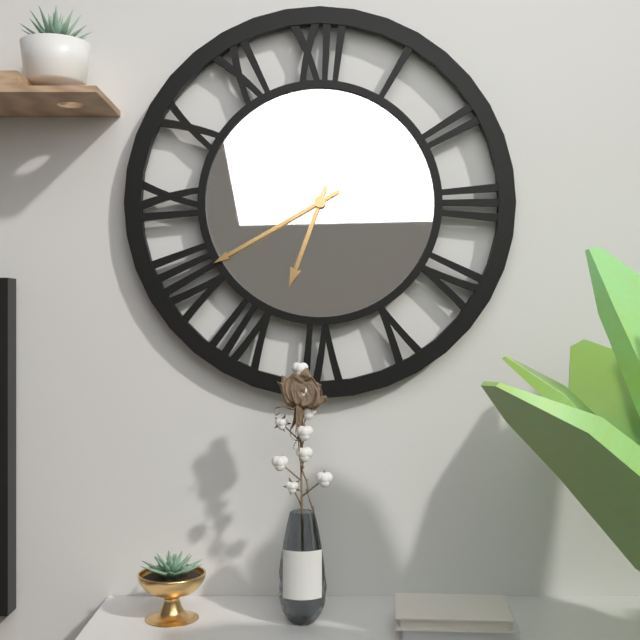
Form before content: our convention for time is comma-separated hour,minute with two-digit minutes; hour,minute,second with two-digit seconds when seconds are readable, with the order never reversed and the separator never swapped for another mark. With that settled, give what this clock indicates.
6,40
